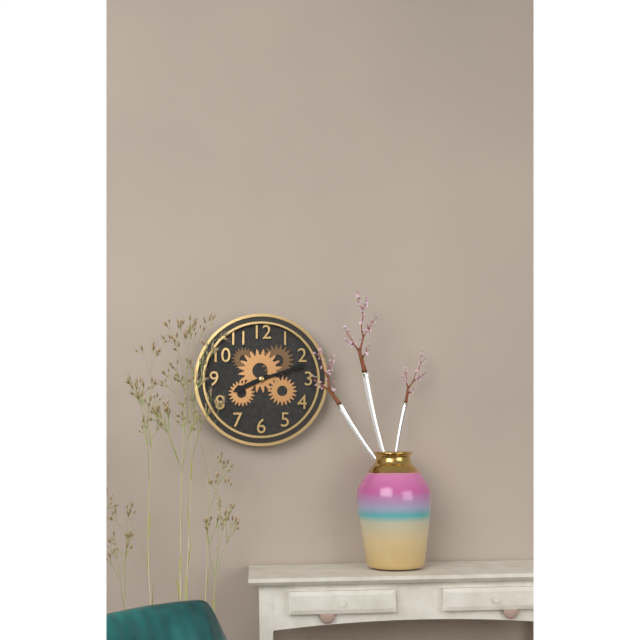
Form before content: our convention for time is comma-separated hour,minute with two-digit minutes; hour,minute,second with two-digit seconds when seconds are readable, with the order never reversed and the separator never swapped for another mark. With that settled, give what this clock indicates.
8,12
